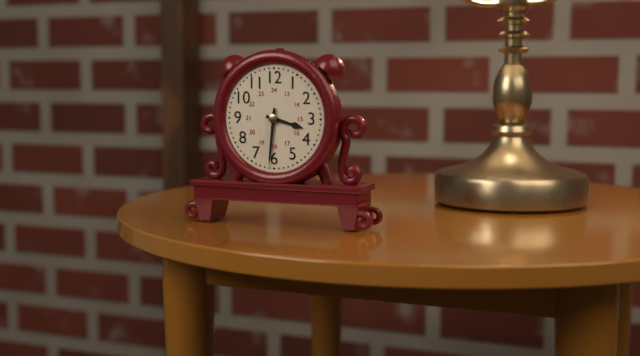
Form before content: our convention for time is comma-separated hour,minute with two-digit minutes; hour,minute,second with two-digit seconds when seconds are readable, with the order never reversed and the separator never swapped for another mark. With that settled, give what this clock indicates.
3,31
